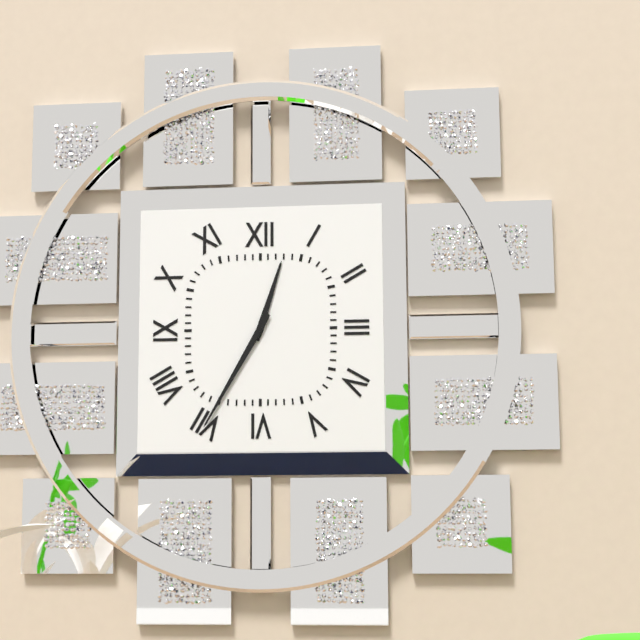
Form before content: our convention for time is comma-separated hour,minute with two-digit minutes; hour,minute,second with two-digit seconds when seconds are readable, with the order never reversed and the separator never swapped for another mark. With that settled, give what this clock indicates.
12,35
